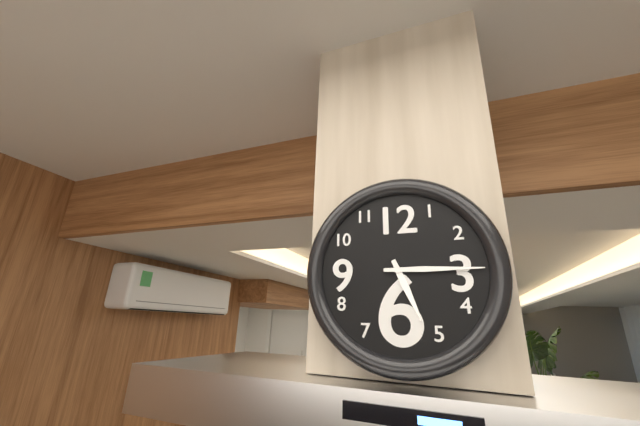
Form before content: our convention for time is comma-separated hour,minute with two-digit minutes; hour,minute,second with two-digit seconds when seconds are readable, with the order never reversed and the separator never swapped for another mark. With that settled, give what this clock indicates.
5,15
